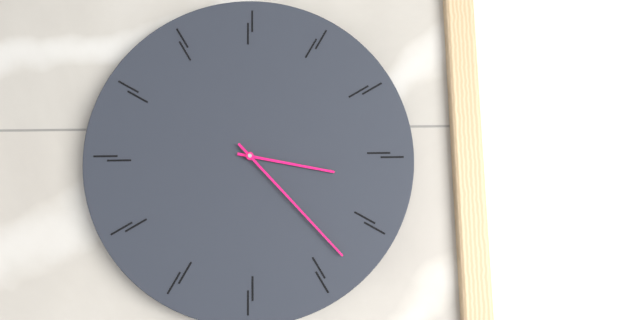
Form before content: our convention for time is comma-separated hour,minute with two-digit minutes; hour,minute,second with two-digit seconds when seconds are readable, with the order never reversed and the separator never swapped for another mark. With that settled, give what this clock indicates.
3,23
